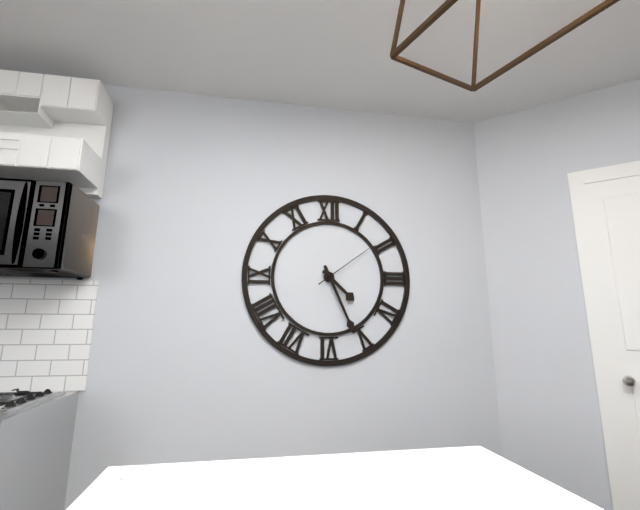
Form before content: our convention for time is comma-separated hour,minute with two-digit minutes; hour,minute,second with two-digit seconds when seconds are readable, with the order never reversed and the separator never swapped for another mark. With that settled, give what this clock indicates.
4,26,09
